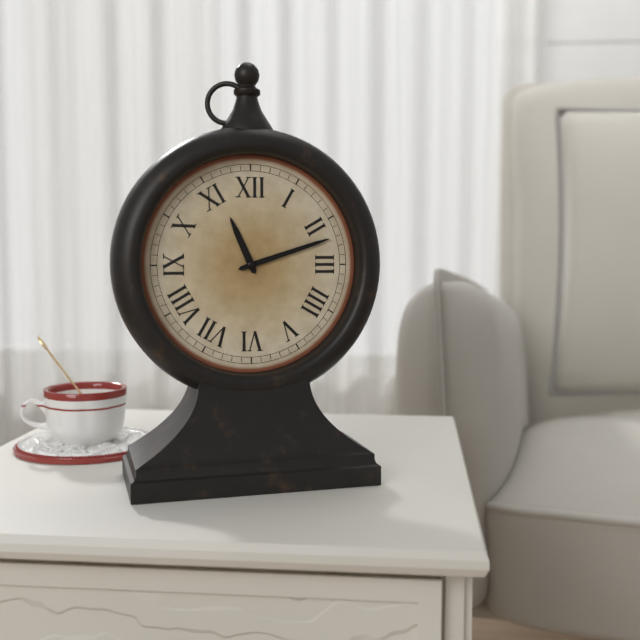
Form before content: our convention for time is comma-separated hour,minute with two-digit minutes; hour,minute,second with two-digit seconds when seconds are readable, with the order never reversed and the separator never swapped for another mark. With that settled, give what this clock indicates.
11,12
